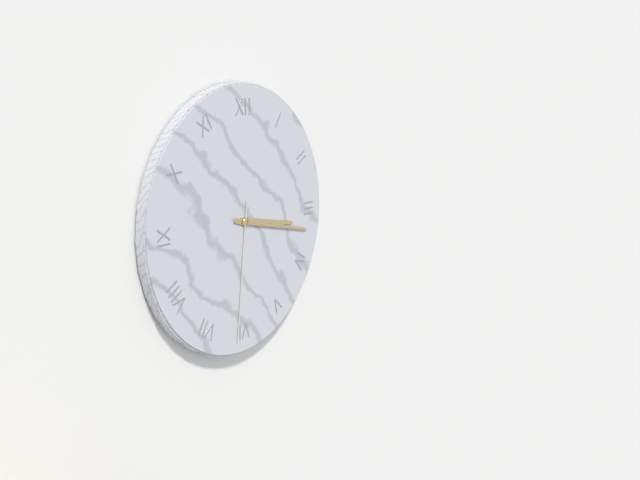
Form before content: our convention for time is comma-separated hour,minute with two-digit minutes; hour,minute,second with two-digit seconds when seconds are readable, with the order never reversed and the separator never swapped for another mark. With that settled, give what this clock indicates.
3,17,31
